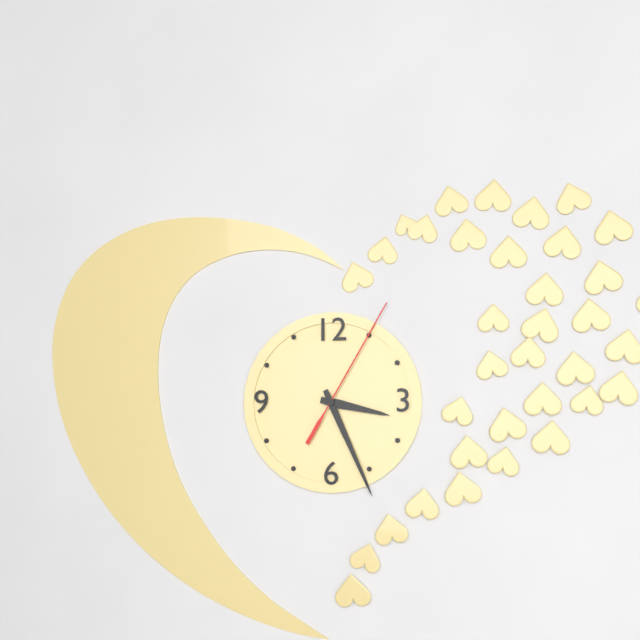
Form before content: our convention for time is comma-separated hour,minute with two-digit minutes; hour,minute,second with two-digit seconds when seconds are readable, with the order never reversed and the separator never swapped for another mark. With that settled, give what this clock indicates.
3,26,05
